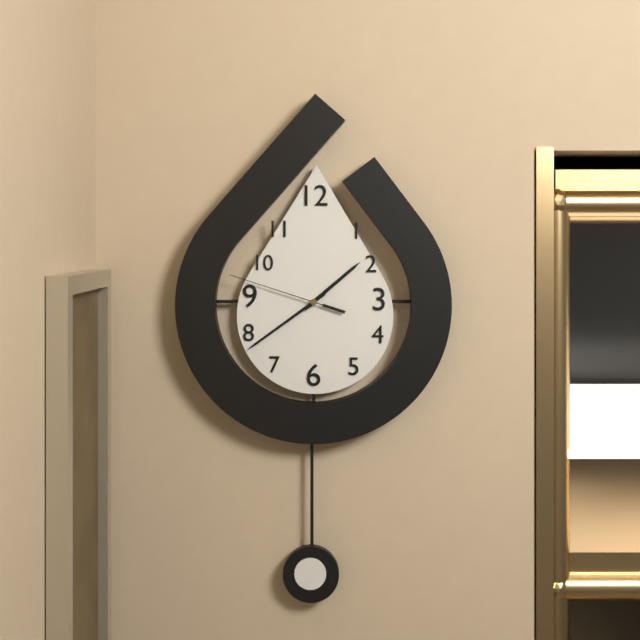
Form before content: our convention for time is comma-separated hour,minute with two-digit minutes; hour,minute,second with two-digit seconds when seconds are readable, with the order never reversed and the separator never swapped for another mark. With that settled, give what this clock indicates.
1,39,48
